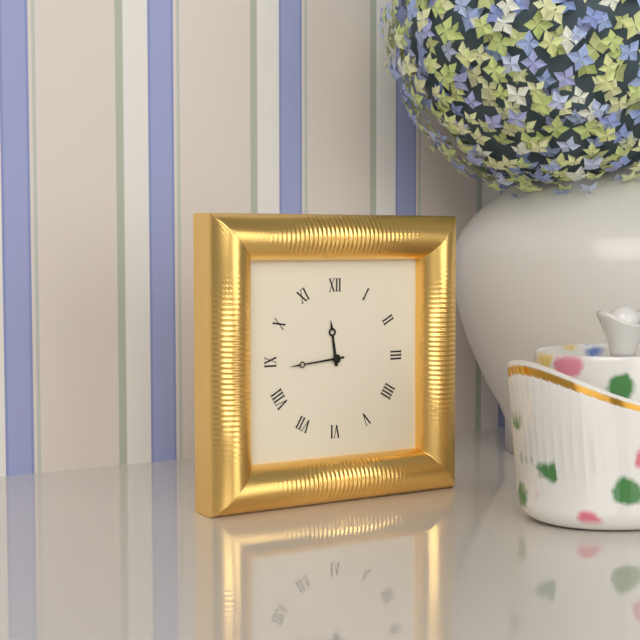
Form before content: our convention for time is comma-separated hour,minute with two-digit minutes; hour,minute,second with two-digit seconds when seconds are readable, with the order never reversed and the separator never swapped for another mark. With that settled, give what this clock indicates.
11,44
